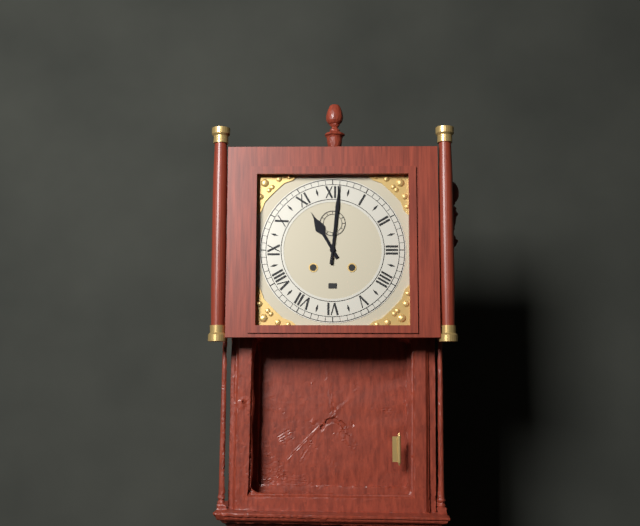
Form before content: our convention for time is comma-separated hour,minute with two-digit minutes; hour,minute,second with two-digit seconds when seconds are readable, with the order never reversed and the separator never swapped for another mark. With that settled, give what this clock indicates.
11,01
